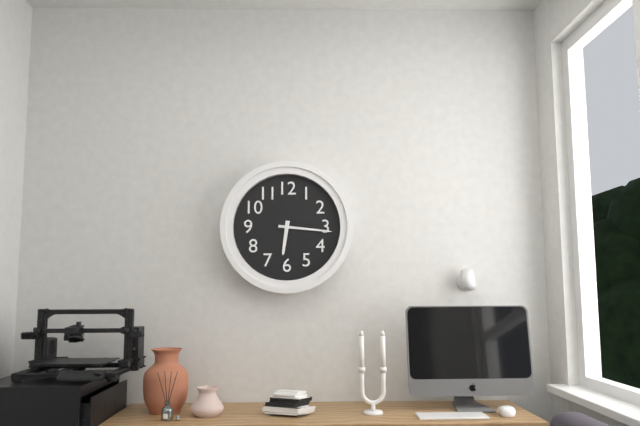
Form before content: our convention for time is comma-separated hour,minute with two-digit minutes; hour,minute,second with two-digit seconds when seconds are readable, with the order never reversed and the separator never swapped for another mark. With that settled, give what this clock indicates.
6,16
